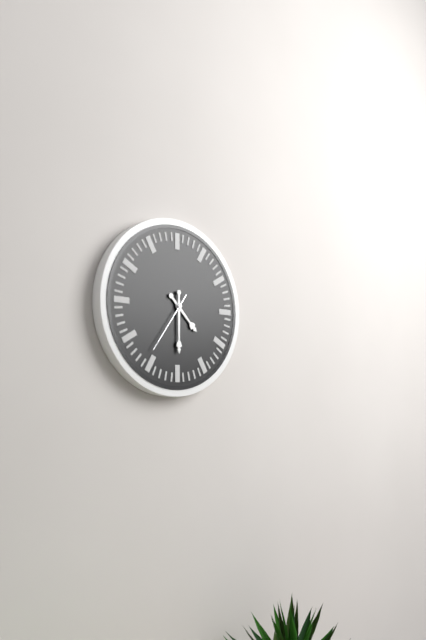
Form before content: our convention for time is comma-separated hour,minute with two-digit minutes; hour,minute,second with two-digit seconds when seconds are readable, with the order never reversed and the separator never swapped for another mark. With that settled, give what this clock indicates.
4,30,36
